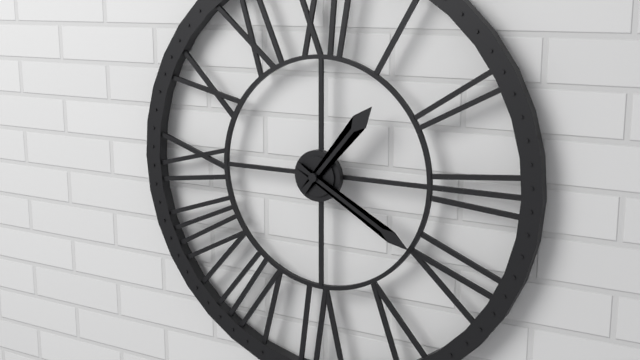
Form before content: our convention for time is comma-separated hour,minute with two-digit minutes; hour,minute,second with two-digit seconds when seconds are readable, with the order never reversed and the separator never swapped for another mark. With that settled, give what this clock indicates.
1,20
